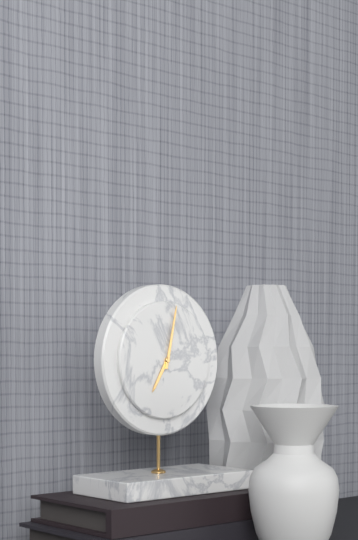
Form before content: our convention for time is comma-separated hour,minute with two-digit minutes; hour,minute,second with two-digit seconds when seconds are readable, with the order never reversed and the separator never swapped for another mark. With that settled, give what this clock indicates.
7,02
